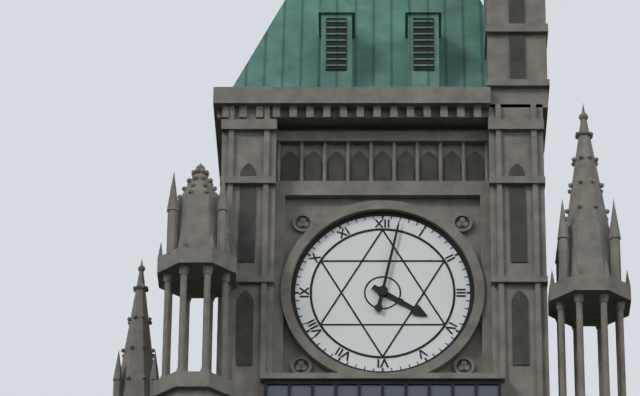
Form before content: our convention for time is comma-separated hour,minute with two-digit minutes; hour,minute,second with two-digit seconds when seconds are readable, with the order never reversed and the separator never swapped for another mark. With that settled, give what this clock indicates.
4,02
